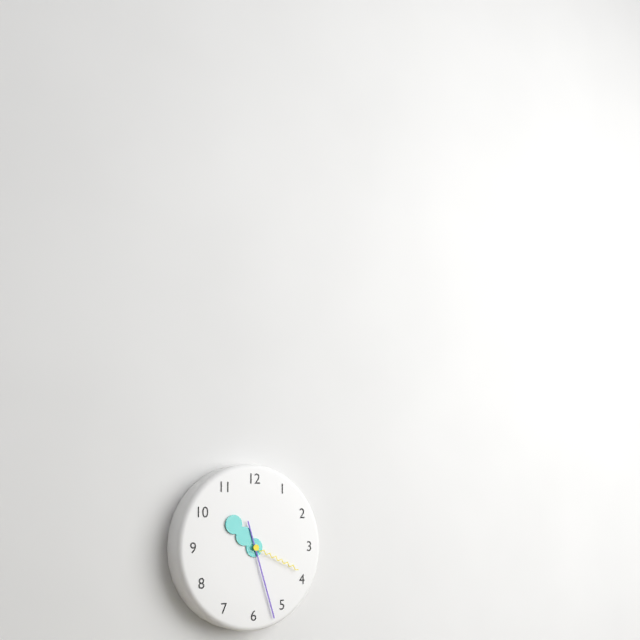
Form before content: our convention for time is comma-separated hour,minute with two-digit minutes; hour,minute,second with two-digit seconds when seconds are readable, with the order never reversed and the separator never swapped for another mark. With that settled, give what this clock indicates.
10,27,19
